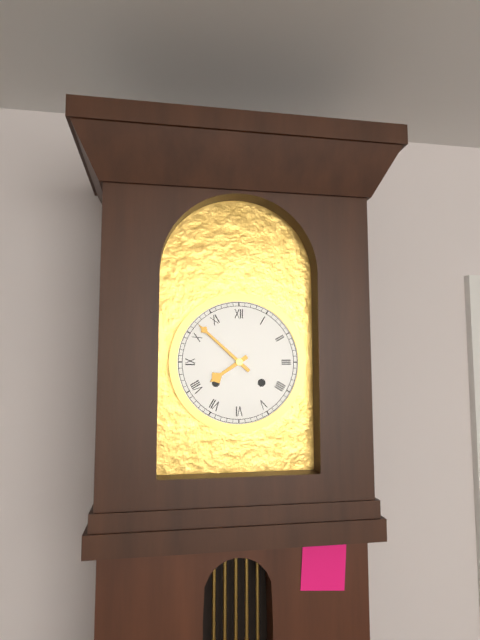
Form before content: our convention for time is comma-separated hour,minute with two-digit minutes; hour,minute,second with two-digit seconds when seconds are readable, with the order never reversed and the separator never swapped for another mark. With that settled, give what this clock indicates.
7,52
